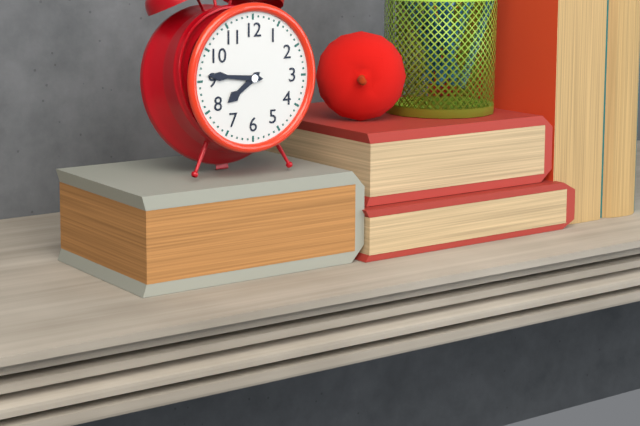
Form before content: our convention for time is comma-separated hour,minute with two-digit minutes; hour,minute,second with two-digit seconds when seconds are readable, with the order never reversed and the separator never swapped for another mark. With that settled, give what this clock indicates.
7,46
